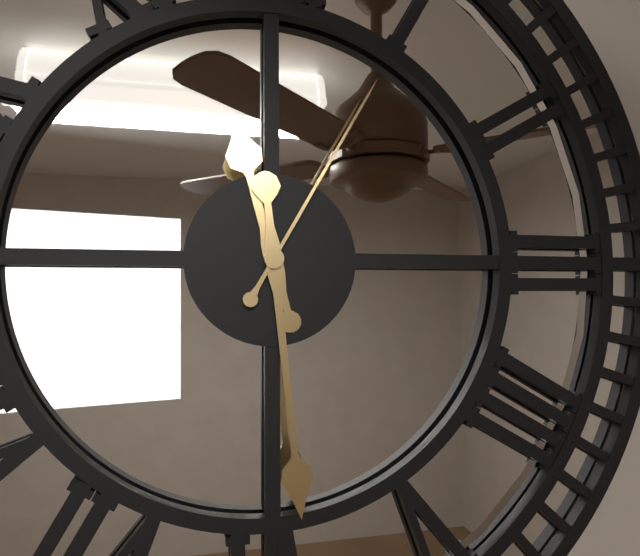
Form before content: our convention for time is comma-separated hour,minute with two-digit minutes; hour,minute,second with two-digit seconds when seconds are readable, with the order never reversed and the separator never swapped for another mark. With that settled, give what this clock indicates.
11,29,05
